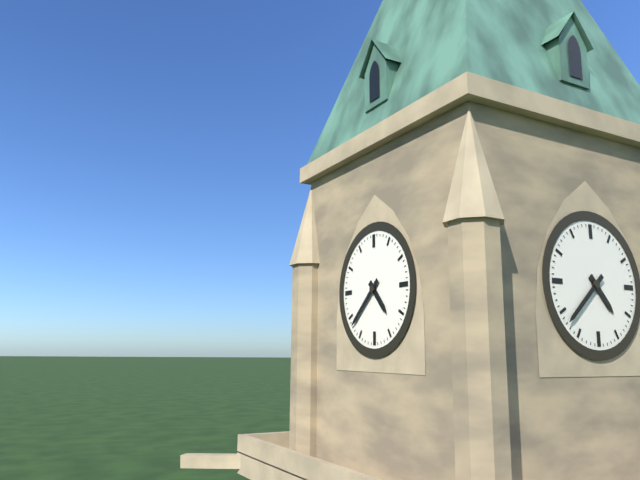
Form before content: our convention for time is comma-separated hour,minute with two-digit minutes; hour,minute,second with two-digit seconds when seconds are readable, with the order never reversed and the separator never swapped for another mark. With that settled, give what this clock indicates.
4,38
